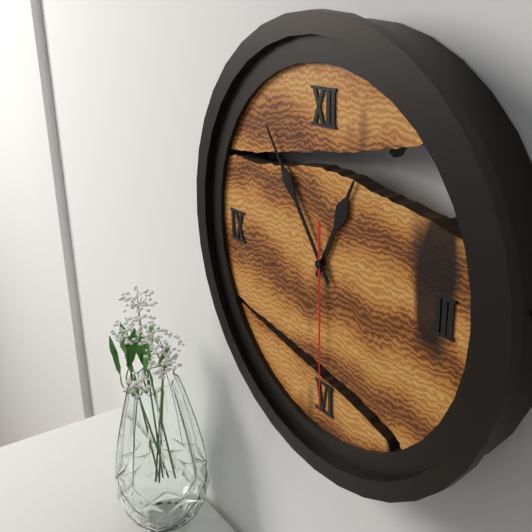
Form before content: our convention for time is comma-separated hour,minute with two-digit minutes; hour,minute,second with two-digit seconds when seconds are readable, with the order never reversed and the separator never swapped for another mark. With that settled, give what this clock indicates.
12,54,30
